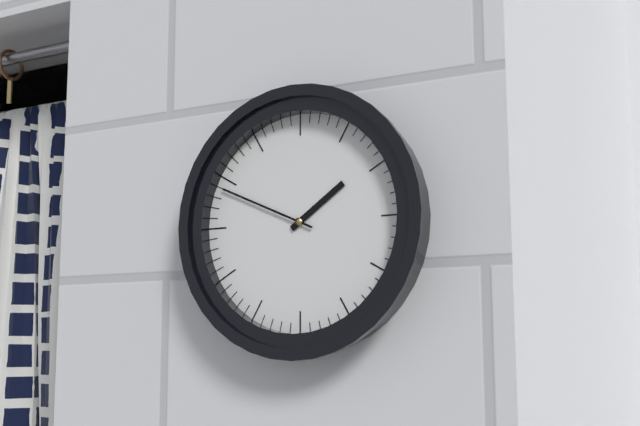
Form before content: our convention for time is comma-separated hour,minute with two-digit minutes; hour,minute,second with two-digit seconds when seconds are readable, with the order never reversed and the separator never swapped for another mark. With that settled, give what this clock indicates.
1,49
